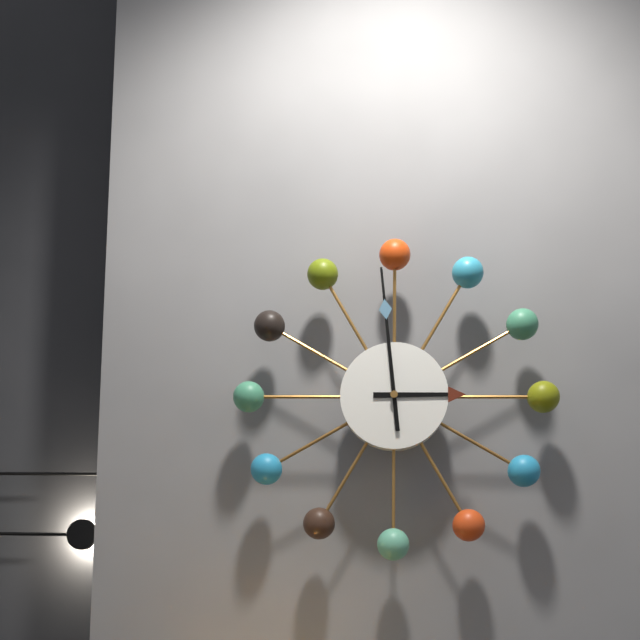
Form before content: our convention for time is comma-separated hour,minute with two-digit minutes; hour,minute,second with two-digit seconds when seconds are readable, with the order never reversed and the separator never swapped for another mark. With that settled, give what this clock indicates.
2,59
